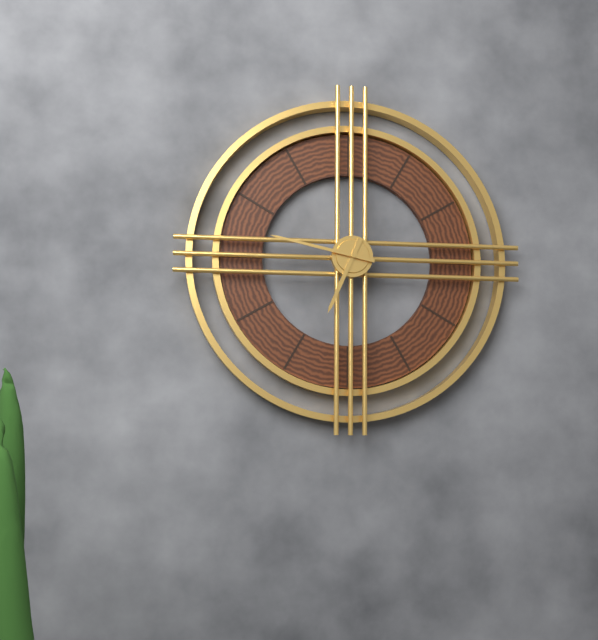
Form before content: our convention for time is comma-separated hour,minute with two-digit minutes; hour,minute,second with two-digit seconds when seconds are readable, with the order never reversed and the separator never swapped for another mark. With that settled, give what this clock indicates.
6,47
